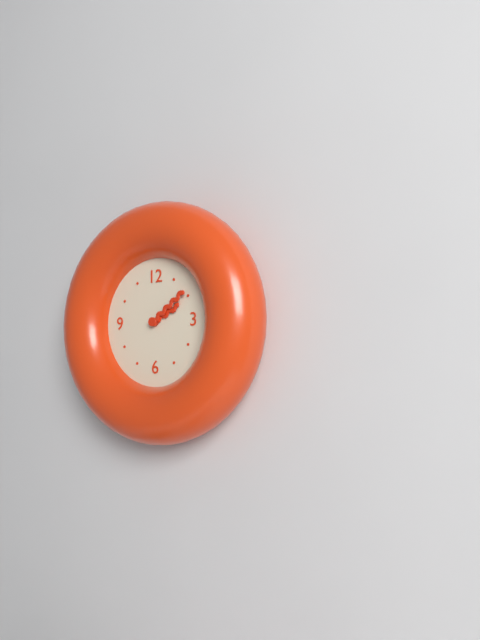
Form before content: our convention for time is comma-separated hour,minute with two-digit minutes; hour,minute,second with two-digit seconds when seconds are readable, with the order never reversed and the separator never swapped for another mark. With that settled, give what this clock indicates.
2,09
